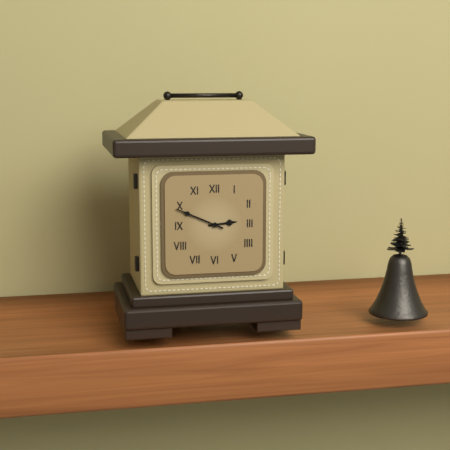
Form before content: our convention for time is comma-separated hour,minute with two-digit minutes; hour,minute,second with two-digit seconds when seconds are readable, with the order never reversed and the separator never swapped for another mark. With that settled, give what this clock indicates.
2,49
